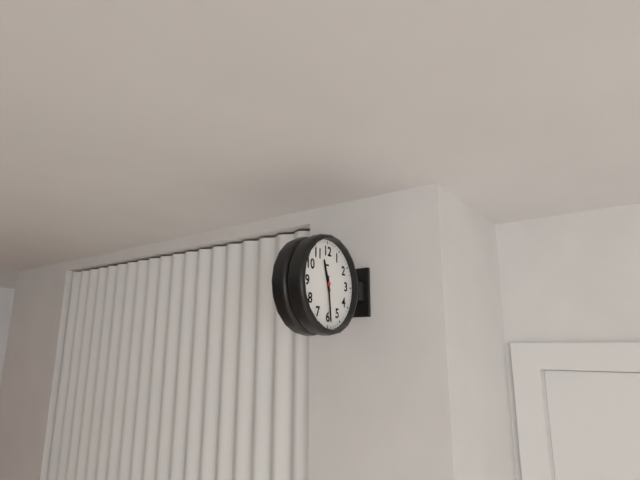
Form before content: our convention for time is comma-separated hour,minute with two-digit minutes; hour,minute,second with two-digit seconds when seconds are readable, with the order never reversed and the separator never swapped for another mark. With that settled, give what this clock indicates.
11,29
